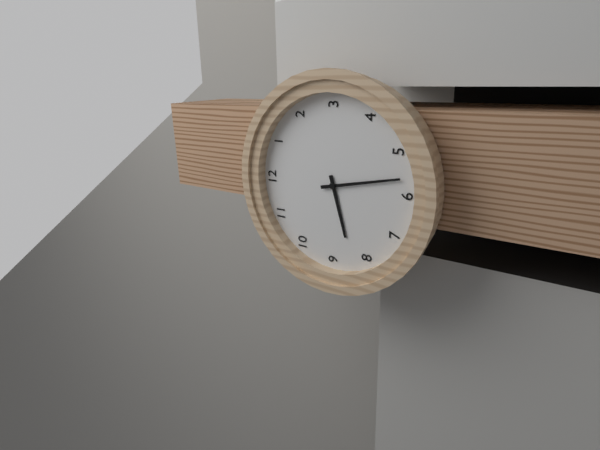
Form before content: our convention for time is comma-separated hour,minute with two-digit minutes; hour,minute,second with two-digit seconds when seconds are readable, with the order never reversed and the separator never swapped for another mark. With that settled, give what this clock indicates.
8,28
